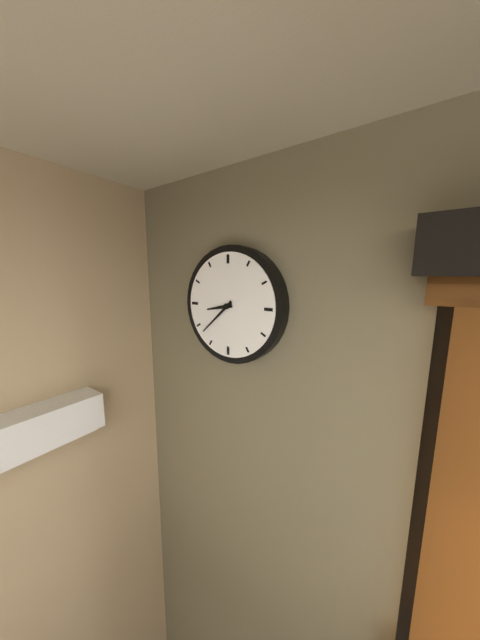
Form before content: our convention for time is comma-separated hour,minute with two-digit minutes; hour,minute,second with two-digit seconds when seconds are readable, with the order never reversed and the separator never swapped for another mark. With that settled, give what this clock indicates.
8,38
